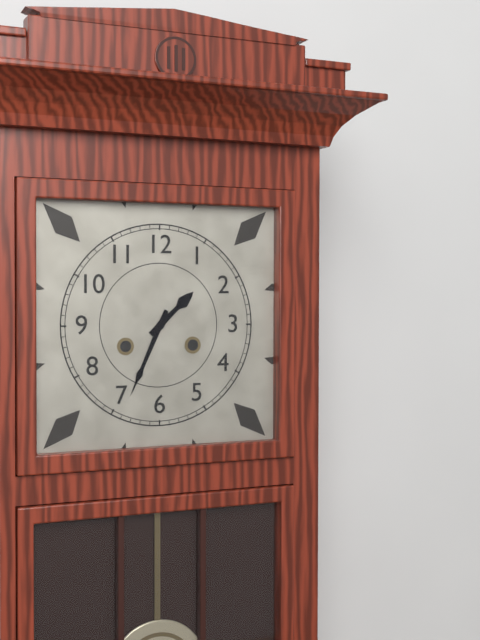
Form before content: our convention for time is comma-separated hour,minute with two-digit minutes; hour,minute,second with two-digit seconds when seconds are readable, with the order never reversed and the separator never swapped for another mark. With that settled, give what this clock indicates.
1,34
